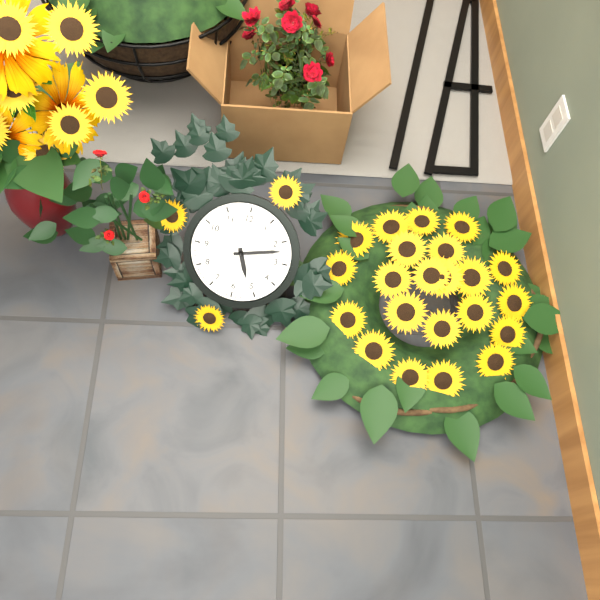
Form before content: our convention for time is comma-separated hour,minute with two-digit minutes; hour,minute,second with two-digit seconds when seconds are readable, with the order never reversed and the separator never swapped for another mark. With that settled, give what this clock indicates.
5,12
